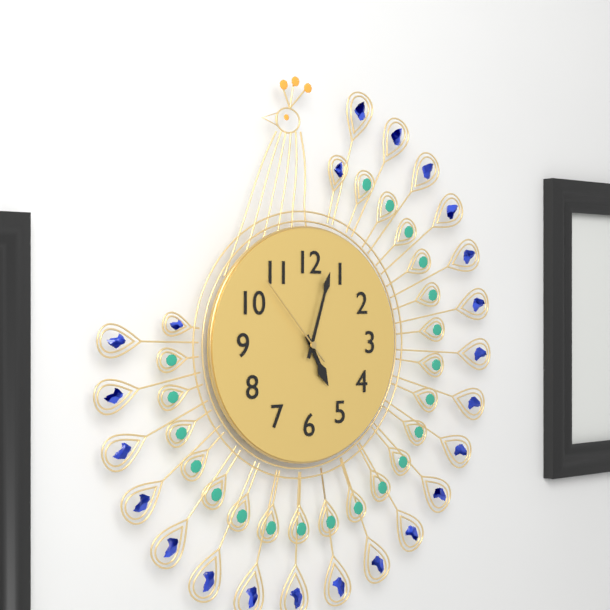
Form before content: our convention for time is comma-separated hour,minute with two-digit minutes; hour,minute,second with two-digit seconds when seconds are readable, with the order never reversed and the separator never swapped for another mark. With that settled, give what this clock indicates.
5,03,53
